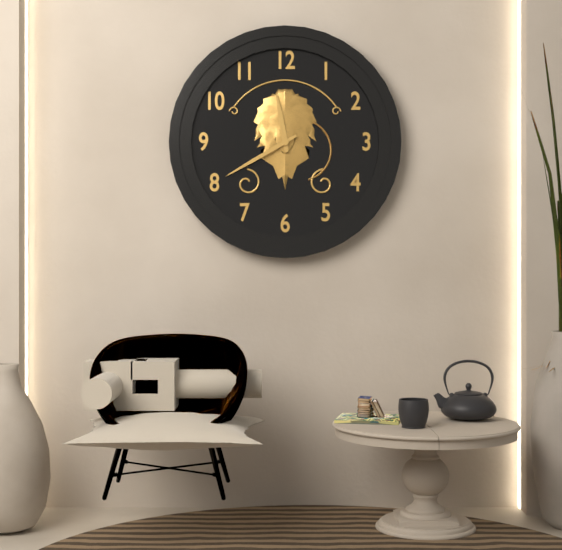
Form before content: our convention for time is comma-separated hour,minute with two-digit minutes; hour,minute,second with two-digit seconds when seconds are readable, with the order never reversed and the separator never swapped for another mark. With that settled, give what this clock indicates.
11,40
